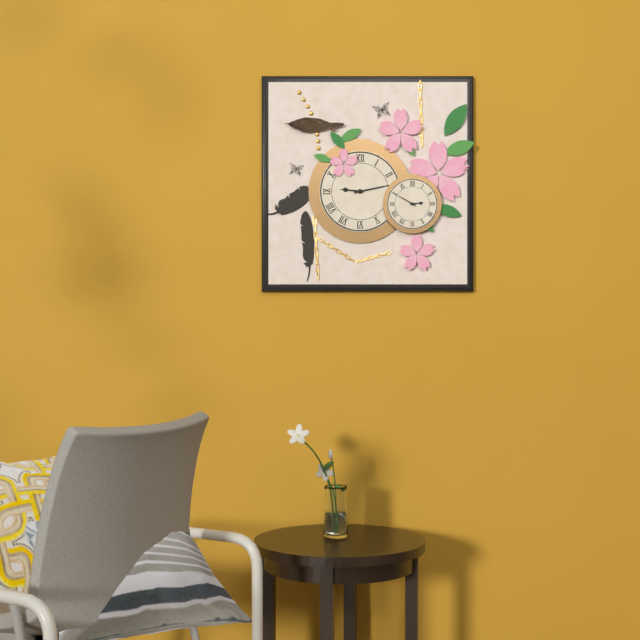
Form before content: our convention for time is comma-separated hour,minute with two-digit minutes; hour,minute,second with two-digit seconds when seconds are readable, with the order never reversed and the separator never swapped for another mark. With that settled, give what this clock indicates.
9,13
